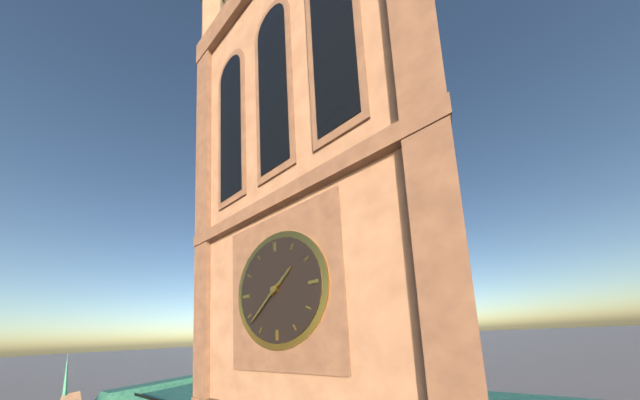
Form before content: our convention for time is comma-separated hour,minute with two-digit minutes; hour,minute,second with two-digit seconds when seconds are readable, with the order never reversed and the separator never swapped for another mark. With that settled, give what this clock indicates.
1,38
